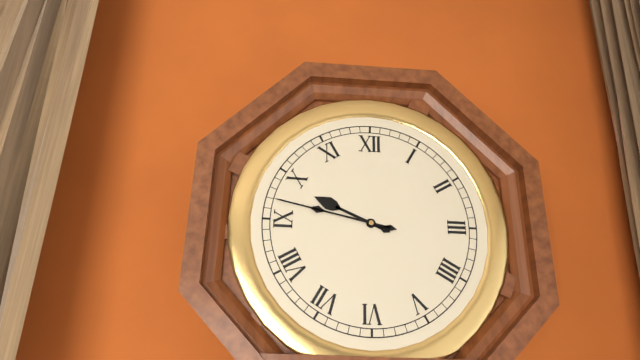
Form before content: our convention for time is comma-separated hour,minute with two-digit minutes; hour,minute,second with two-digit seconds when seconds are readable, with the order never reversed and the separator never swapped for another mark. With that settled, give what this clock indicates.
9,47
